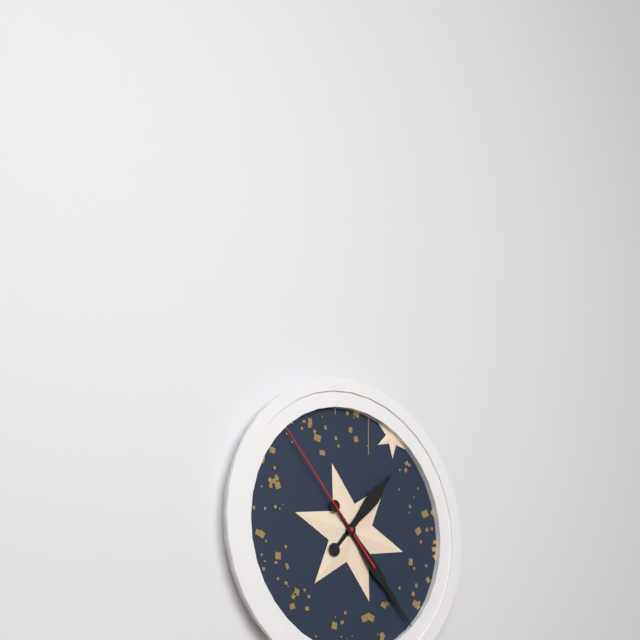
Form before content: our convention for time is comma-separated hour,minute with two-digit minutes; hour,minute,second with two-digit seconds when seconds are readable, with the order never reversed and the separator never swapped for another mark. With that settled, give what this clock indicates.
1,23,53
